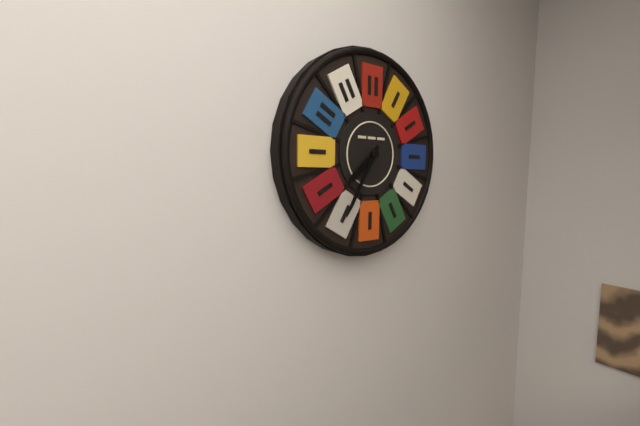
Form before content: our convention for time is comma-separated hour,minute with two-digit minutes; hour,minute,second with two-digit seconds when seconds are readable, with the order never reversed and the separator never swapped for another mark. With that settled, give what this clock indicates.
7,35
